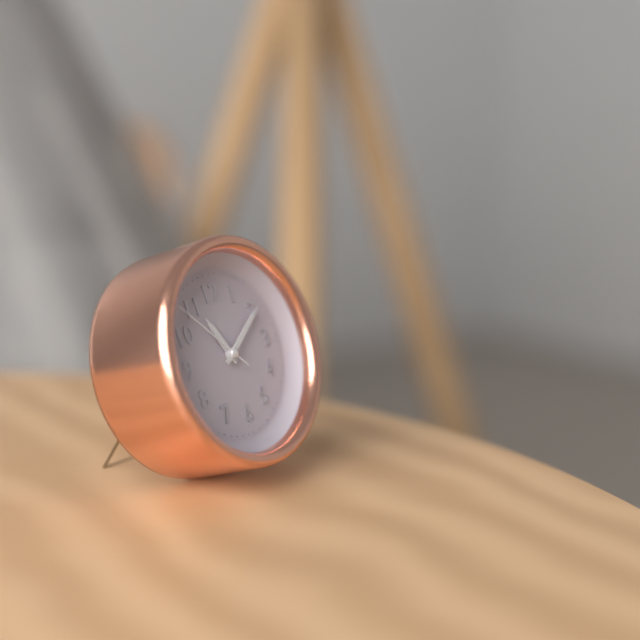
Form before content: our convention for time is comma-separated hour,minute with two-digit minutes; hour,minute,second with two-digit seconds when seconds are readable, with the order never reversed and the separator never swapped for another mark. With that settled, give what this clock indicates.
11,10,53
